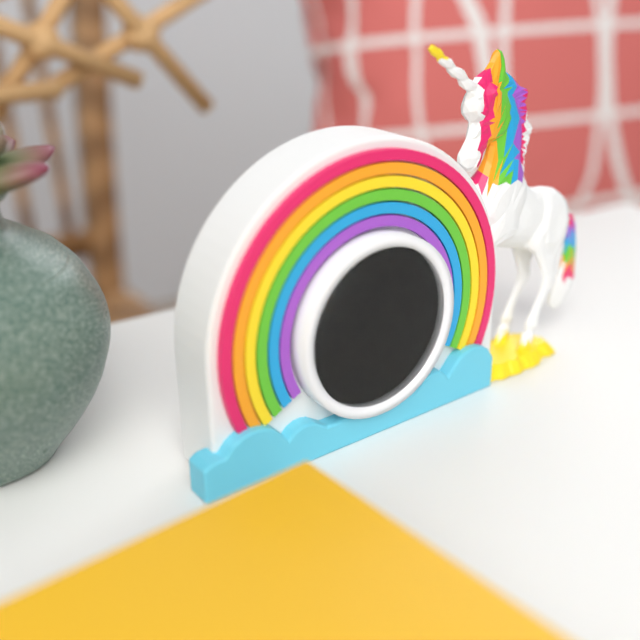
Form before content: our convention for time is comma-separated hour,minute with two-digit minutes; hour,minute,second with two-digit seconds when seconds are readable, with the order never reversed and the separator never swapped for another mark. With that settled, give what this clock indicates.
11,12
